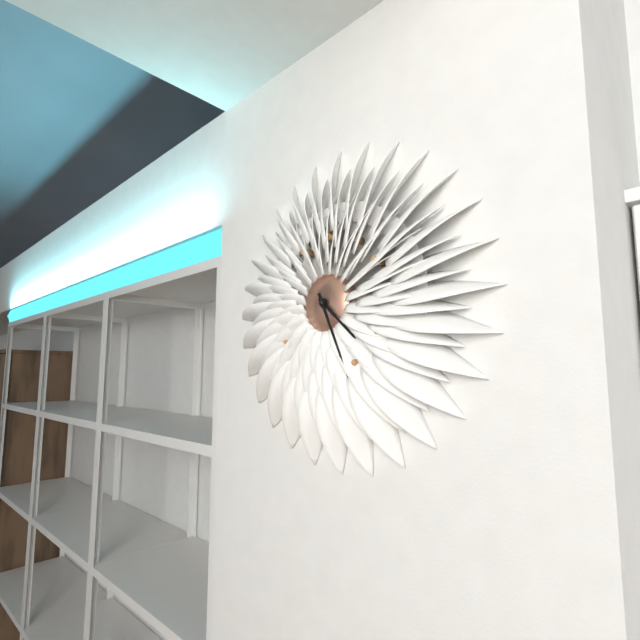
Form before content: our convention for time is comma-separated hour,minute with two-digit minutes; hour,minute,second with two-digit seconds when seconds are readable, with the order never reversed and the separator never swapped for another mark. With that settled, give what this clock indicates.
4,26
